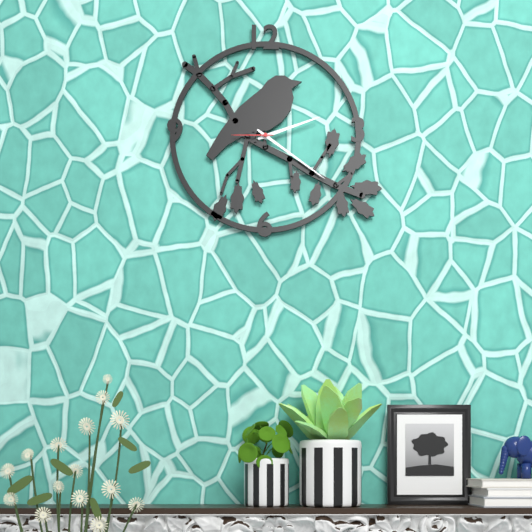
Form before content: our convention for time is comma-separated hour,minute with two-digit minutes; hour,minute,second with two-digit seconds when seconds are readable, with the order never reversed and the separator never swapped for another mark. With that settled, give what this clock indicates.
2,21
